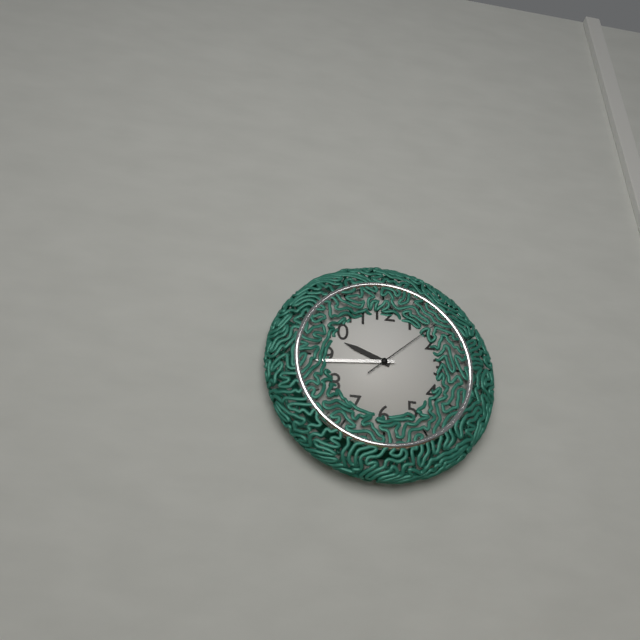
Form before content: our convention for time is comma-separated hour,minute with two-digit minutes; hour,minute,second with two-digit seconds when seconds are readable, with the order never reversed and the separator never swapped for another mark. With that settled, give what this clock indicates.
9,44,08
